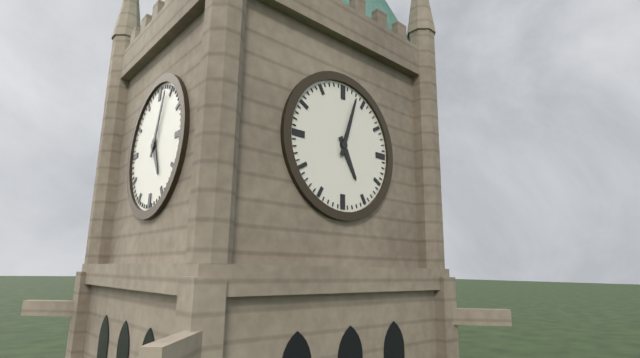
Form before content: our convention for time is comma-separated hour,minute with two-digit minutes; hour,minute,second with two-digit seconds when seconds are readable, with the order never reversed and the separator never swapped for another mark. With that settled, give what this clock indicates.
5,03
